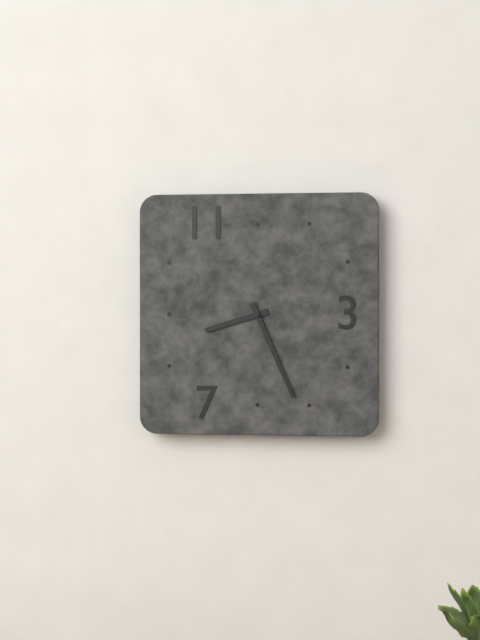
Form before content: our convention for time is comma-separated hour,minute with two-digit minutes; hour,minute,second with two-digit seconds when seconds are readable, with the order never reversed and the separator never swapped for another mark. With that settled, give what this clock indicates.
8,26
